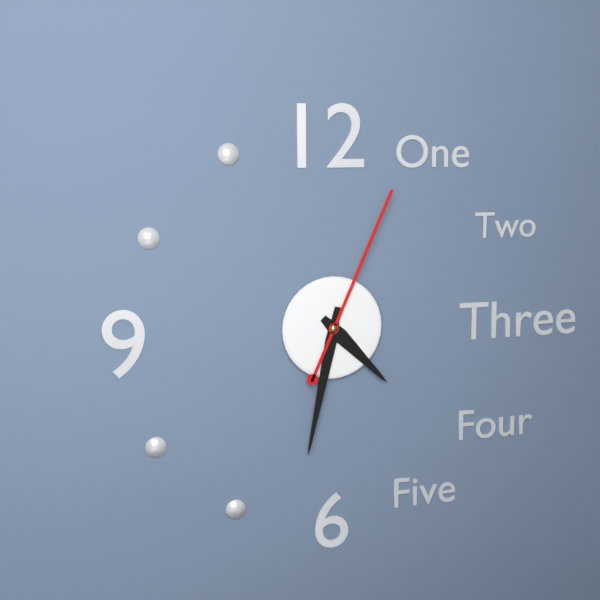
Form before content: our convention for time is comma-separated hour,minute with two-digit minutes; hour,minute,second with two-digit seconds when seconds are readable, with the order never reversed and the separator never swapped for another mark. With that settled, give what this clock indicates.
4,32,04
